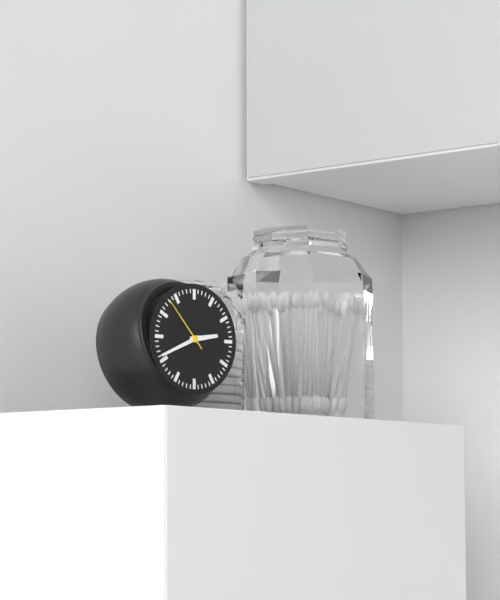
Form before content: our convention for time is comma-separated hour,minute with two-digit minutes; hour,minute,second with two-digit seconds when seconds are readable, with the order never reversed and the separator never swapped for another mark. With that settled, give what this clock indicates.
2,41,53
